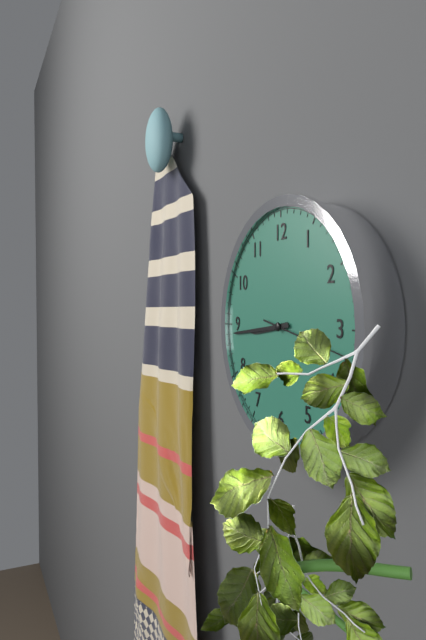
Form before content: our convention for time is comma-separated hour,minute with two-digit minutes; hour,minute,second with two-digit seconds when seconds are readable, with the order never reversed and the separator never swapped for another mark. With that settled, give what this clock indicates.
8,44,17
